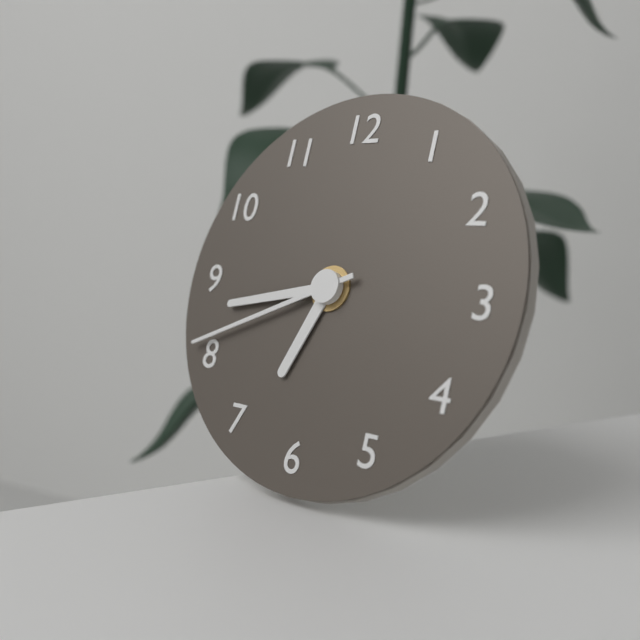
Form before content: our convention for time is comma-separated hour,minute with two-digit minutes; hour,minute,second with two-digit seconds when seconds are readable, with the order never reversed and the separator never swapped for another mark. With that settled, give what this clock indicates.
6,43,41
